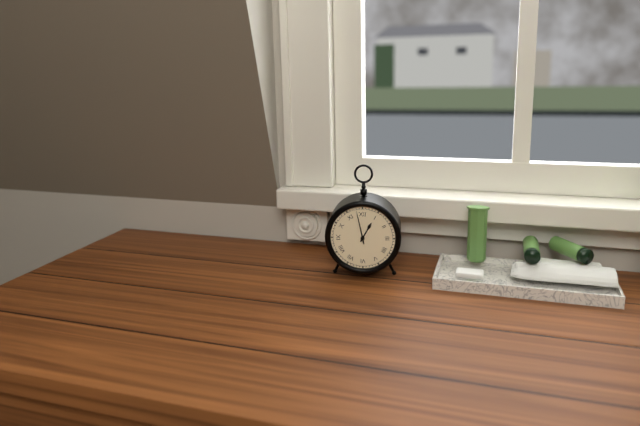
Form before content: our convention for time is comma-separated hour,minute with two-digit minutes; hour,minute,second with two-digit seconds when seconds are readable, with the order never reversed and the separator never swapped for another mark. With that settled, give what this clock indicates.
12,58
